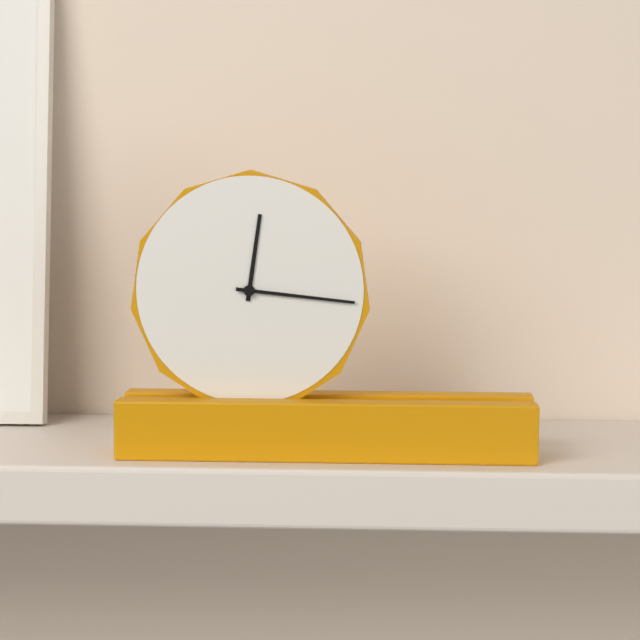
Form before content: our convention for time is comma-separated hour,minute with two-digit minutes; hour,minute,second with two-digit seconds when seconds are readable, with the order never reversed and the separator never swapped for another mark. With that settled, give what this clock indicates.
12,16
